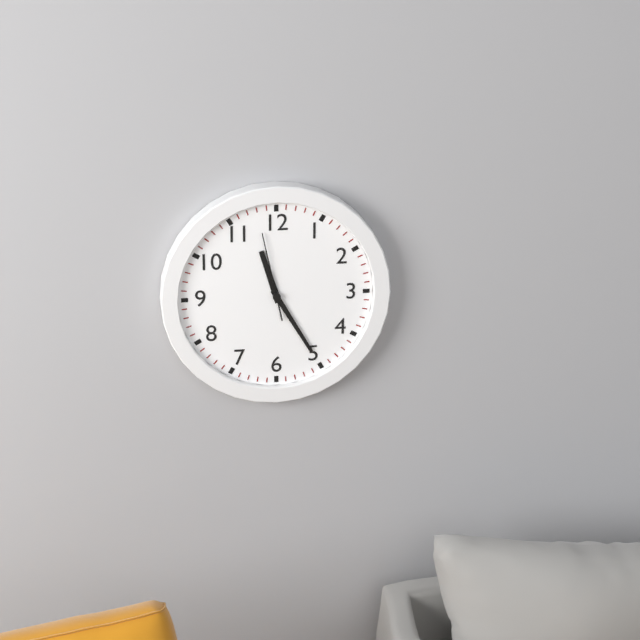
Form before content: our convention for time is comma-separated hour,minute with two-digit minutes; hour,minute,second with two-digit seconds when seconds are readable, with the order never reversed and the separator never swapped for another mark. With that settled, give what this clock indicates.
11,25,58
